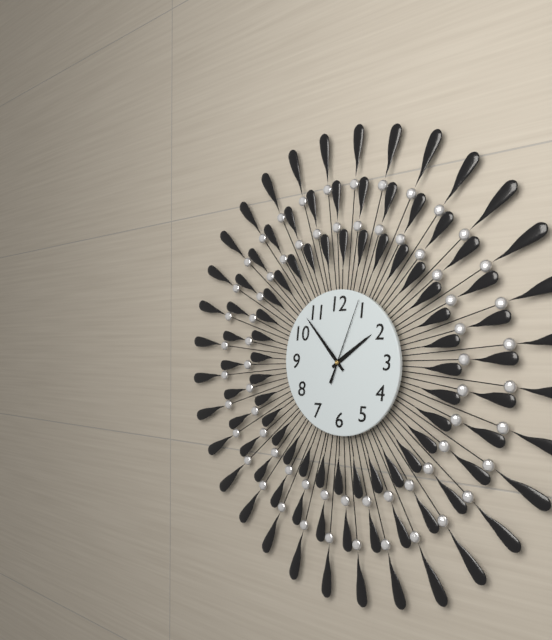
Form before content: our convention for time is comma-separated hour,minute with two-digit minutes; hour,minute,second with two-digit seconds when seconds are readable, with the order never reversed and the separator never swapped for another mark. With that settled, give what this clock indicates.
1,53,04
